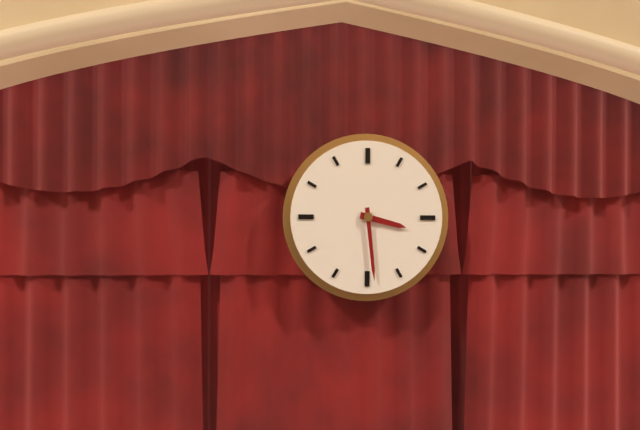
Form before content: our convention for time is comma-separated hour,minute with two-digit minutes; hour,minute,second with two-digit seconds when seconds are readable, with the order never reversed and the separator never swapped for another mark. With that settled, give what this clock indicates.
3,29
